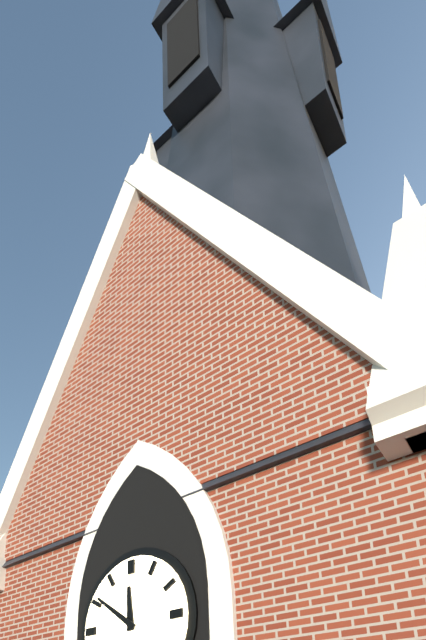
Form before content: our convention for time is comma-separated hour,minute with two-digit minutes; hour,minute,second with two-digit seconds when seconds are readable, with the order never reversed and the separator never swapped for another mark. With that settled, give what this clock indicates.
11,51
